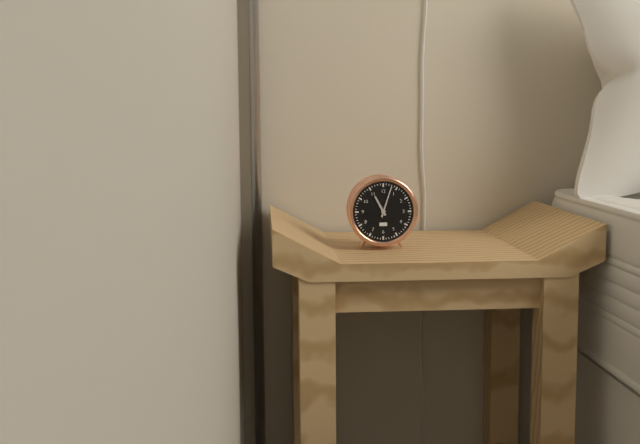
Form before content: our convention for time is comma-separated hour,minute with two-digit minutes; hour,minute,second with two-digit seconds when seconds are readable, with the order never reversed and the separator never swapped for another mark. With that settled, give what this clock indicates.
11,03
